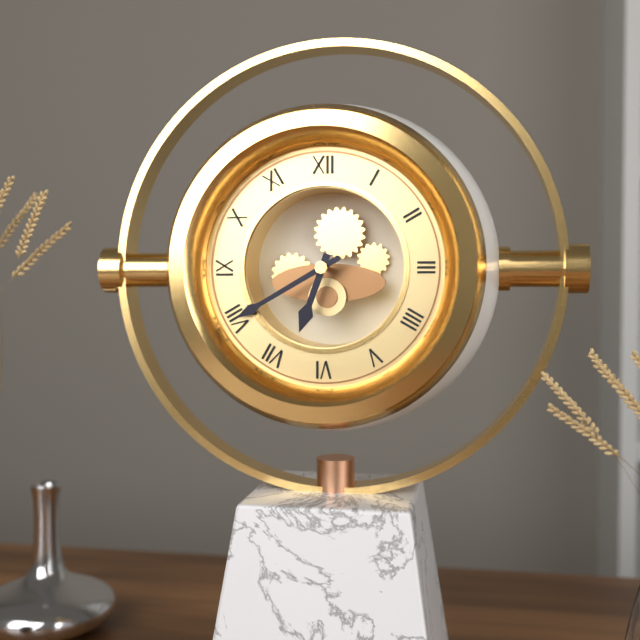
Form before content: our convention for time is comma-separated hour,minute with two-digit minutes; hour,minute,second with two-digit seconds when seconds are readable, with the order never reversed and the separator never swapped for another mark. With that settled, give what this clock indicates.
6,40
